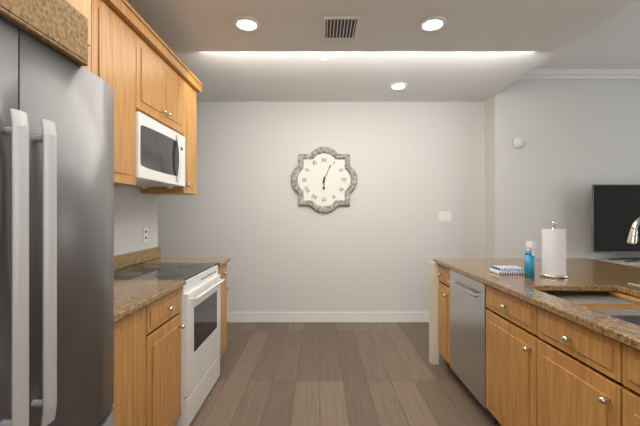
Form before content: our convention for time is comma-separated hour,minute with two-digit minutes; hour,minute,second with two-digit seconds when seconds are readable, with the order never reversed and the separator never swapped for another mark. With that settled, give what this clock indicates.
6,04
